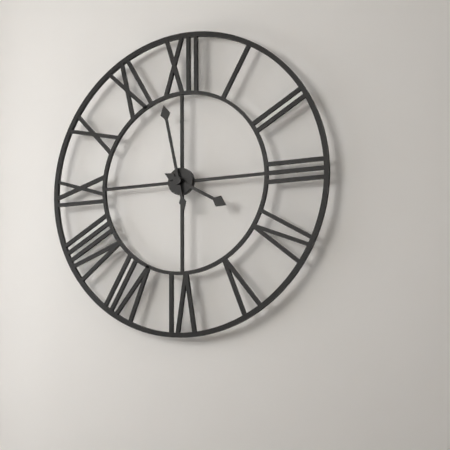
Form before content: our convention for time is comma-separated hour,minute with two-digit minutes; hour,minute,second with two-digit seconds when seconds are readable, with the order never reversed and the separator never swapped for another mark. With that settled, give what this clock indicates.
3,58
